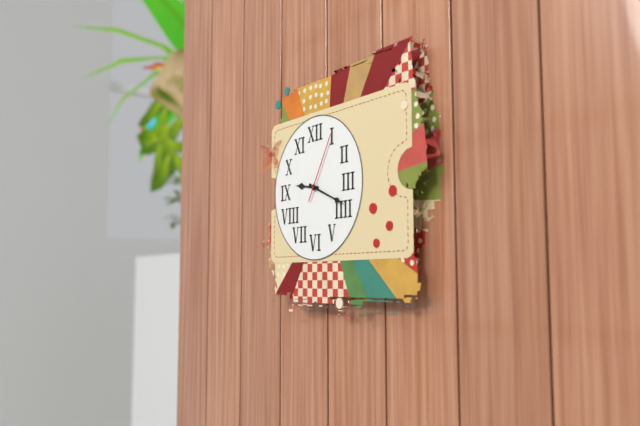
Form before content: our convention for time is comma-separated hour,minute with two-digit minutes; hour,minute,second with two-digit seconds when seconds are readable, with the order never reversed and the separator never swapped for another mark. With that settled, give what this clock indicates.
9,19,05
